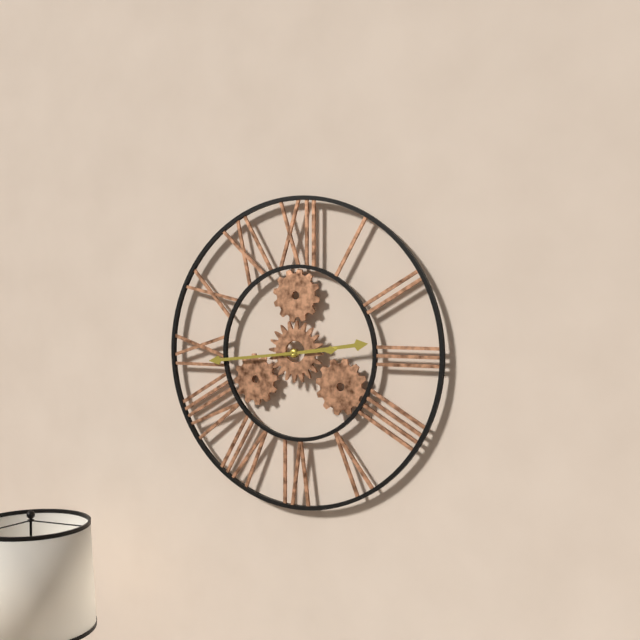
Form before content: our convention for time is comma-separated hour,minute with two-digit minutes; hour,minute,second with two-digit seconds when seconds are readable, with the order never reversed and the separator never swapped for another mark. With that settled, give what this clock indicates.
2,44
